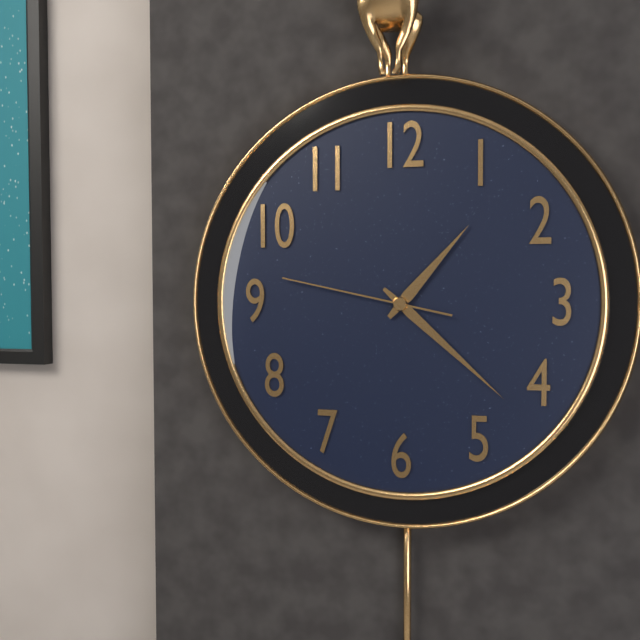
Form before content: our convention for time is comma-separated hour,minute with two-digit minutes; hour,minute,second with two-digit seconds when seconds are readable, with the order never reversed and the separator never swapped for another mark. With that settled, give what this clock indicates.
1,22,47
